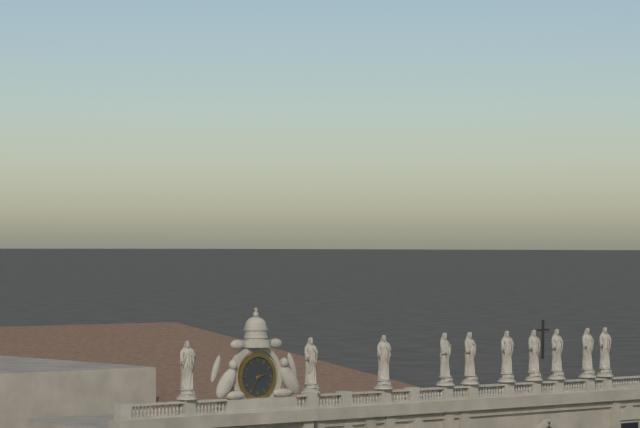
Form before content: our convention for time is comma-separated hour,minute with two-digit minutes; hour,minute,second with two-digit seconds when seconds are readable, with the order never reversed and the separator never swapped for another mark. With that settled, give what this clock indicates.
2,35
